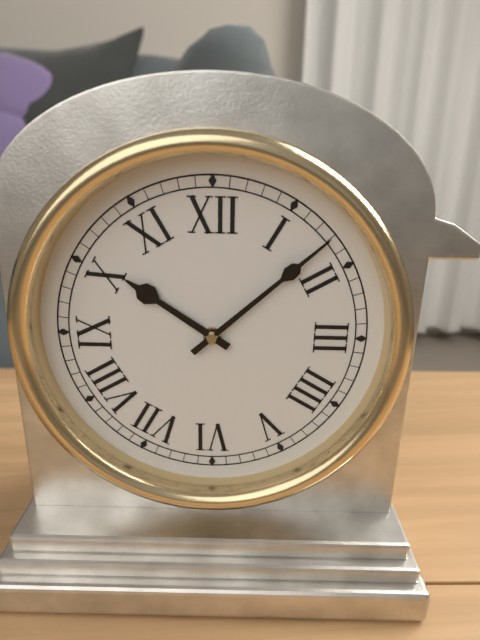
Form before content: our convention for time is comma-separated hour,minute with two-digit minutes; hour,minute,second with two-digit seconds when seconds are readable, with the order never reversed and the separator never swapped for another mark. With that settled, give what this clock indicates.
10,08
